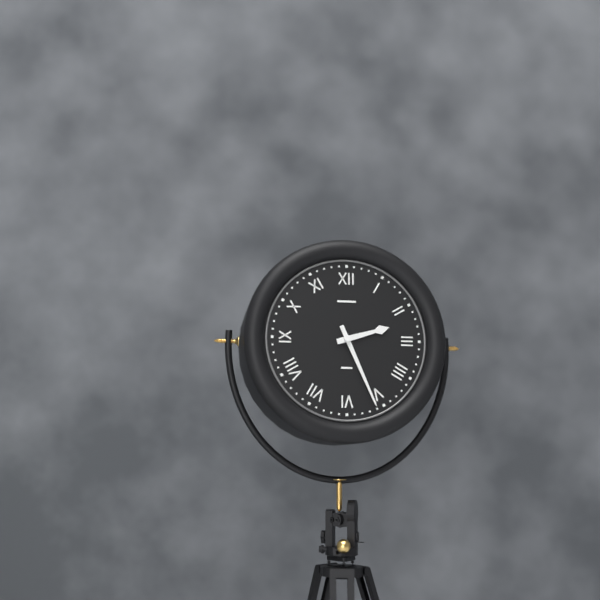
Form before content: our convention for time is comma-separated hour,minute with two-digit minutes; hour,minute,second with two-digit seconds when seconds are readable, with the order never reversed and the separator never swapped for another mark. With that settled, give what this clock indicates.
2,26
